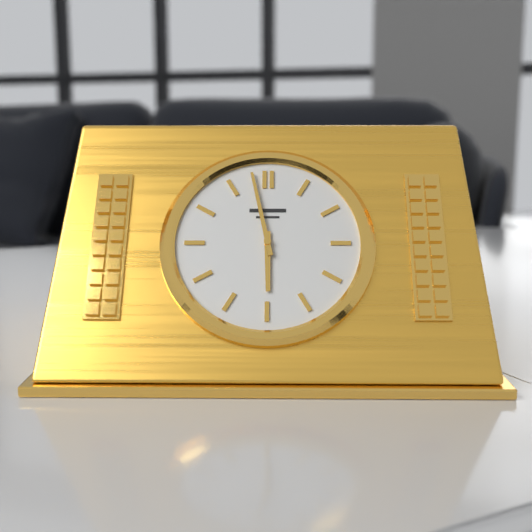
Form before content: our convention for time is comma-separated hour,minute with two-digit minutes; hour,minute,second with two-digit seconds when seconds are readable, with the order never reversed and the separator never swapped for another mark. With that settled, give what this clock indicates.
5,58
